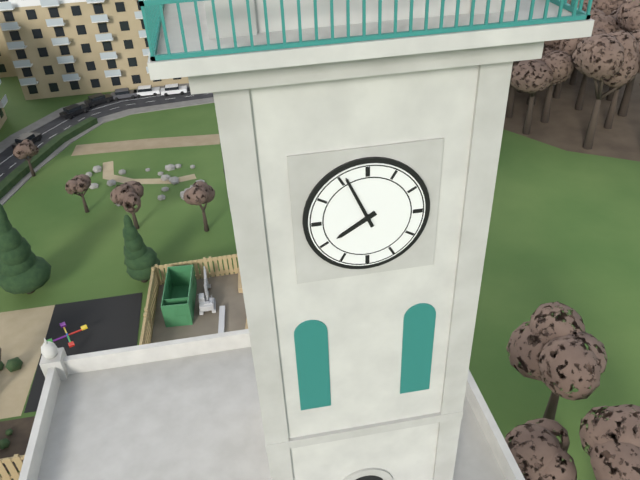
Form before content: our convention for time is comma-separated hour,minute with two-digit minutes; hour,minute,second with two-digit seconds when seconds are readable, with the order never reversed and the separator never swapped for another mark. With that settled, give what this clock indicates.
7,56
